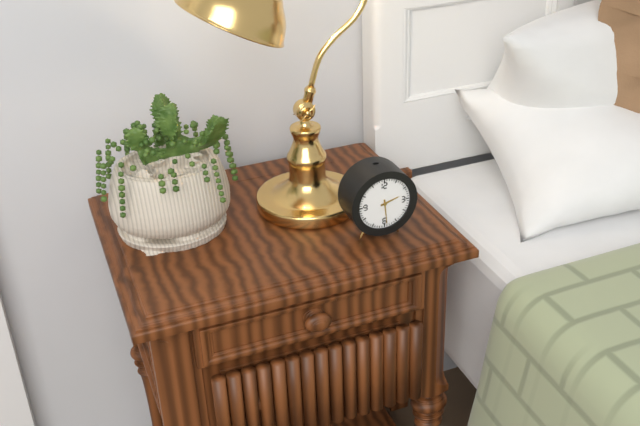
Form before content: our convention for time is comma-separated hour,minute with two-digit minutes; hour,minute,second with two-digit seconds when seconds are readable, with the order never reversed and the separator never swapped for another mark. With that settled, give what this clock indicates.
2,29
